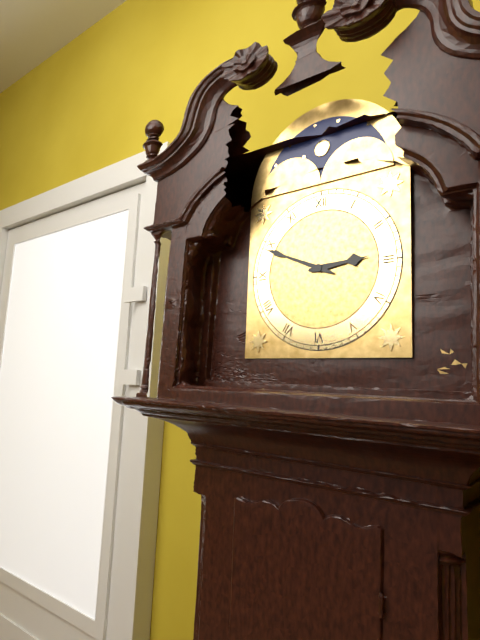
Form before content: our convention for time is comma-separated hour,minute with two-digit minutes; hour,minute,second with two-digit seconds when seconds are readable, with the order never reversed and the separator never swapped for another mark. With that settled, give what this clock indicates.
2,49
